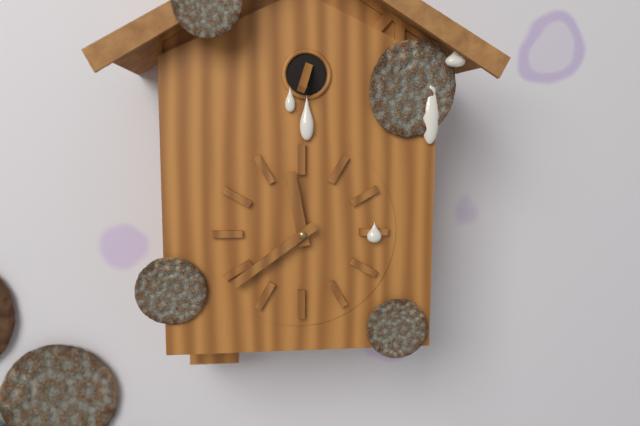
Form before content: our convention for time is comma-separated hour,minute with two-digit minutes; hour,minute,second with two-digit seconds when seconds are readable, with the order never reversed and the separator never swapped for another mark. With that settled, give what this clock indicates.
11,39
